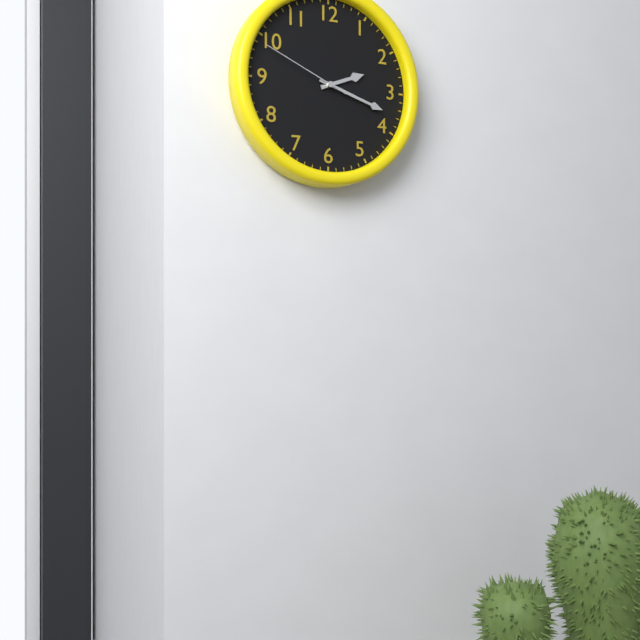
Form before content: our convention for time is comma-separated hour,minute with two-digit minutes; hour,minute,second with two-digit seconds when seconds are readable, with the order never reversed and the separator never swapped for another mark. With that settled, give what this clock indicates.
2,18,49
